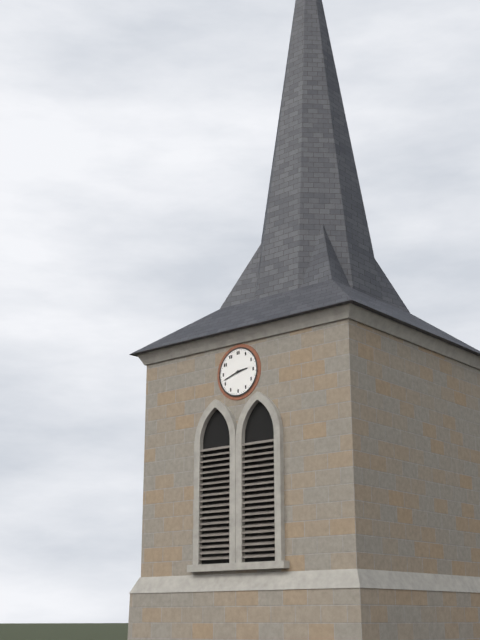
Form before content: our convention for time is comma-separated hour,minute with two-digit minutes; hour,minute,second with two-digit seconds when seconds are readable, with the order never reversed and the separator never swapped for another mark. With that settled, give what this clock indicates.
2,42
